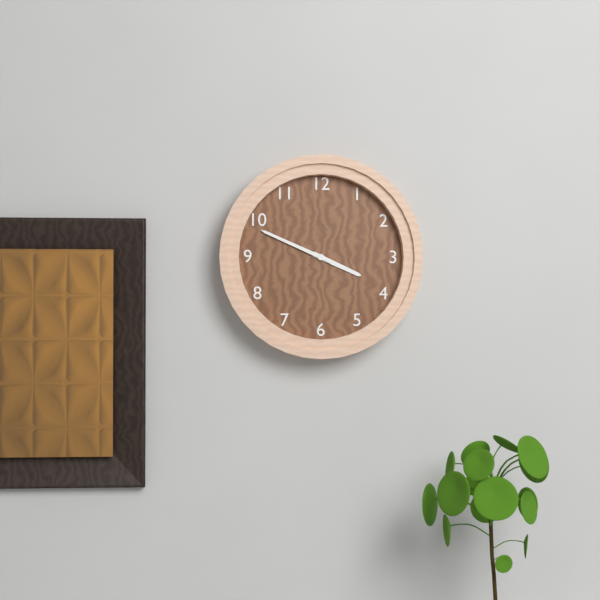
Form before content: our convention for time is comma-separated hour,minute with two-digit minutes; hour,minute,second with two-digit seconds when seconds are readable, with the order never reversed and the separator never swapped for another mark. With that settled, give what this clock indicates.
3,49
